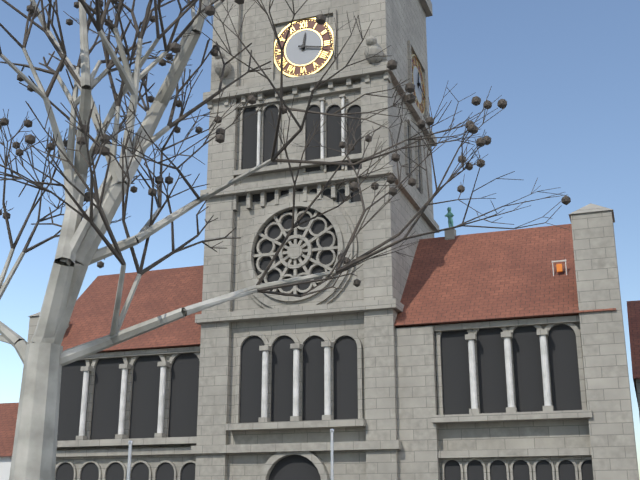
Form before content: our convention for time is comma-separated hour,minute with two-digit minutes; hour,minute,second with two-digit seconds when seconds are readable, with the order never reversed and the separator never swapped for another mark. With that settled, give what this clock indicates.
12,17
